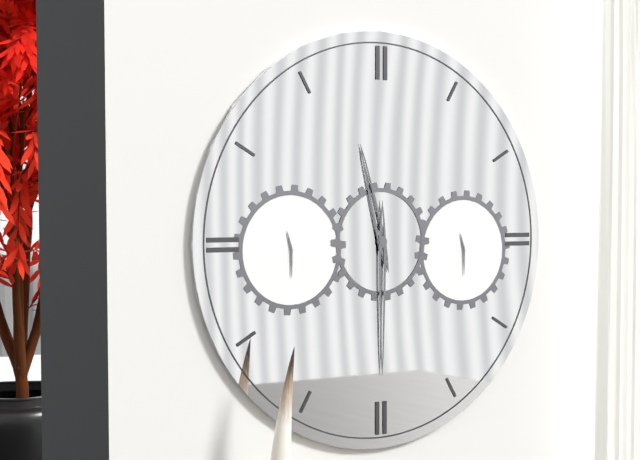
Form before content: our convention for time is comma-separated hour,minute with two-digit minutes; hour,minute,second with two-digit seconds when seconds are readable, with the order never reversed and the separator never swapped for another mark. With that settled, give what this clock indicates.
11,30
